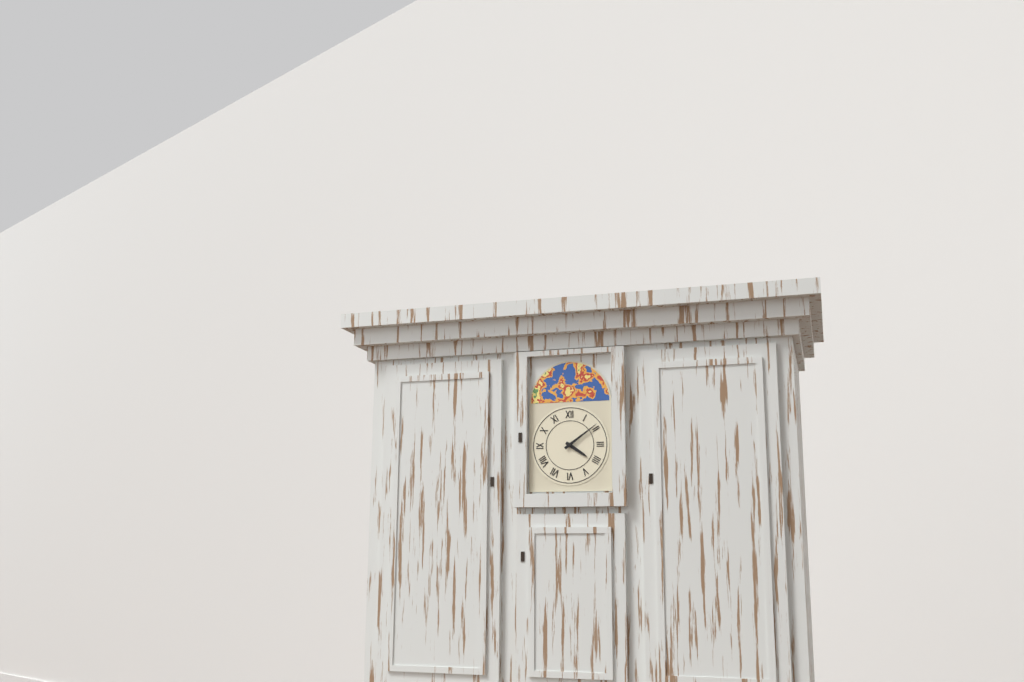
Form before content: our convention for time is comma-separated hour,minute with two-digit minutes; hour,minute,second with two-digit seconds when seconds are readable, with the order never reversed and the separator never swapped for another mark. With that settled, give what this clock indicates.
4,09
